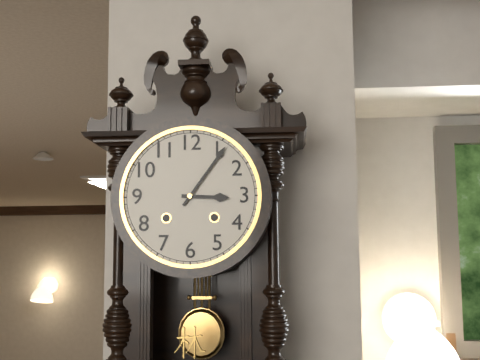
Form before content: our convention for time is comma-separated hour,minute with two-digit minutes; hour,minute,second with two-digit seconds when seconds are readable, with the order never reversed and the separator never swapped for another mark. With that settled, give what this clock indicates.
3,06
